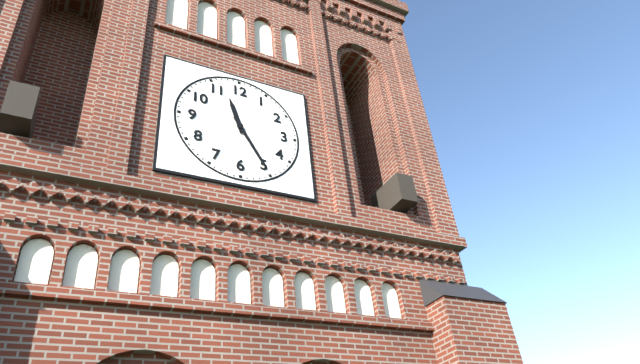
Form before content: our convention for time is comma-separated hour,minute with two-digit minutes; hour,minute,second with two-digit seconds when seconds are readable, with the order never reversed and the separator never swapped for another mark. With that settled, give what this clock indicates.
11,25
